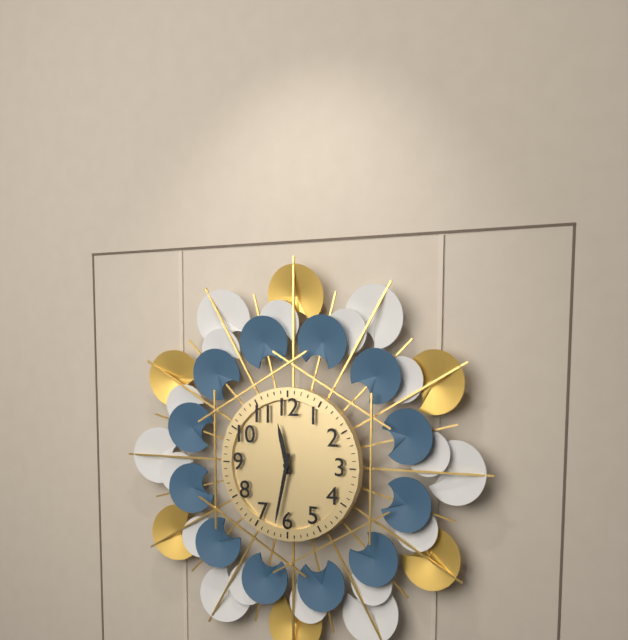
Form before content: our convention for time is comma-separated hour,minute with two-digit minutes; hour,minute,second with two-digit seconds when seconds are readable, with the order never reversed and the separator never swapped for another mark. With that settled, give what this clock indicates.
11,32
